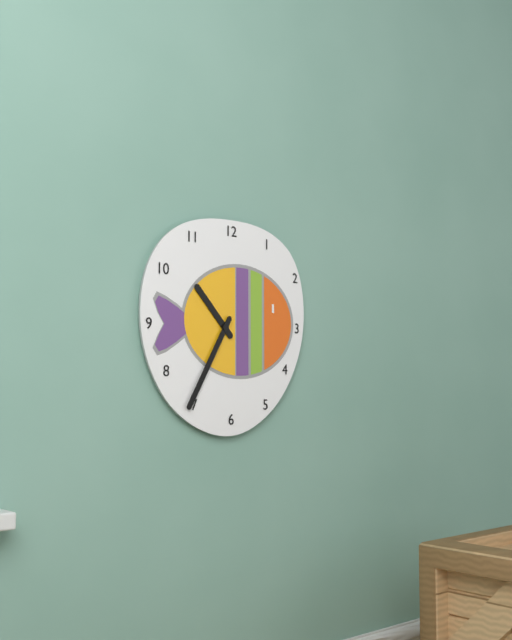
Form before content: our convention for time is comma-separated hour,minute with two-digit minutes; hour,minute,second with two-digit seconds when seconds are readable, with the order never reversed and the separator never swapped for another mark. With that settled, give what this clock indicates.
10,35
